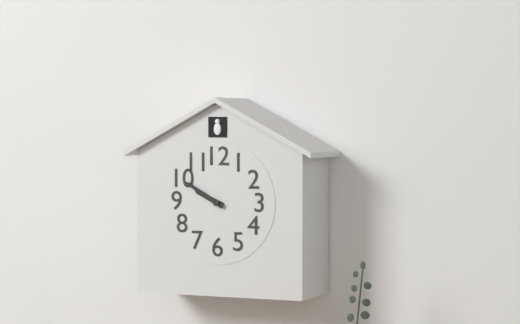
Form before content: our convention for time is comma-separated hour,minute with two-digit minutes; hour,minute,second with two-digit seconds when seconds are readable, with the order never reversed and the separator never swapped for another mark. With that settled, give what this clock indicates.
9,50
